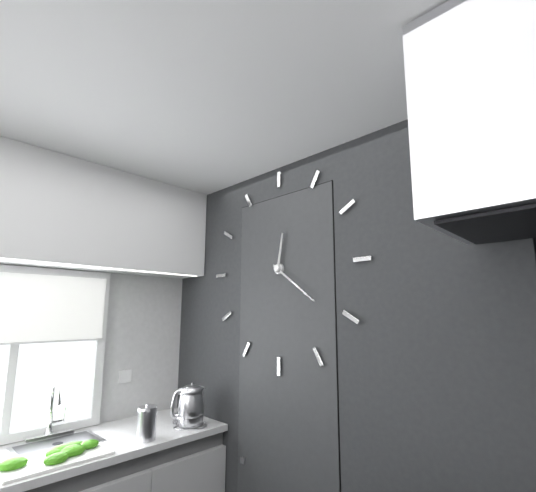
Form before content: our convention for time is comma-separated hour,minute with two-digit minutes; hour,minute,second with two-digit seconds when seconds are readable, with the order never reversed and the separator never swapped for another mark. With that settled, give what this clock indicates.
12,21
